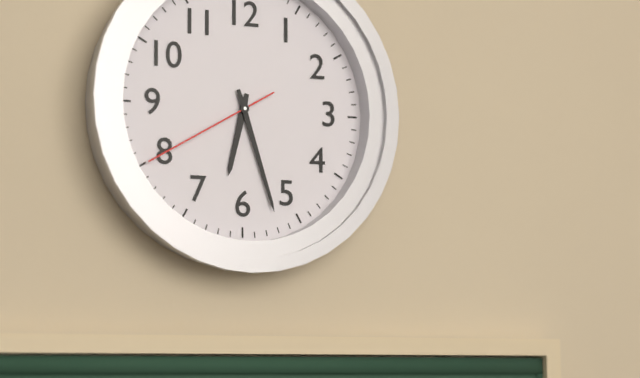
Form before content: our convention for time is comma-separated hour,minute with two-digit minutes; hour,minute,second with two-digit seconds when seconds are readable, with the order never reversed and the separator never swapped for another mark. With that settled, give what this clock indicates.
6,27,40
